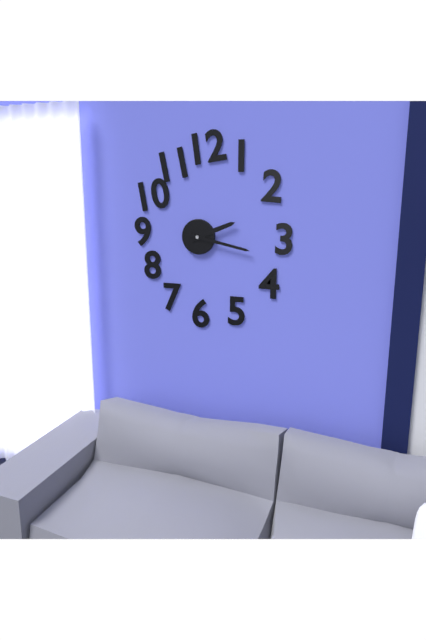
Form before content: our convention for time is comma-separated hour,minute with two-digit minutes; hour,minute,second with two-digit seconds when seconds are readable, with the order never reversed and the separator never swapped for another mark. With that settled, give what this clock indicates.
2,17
